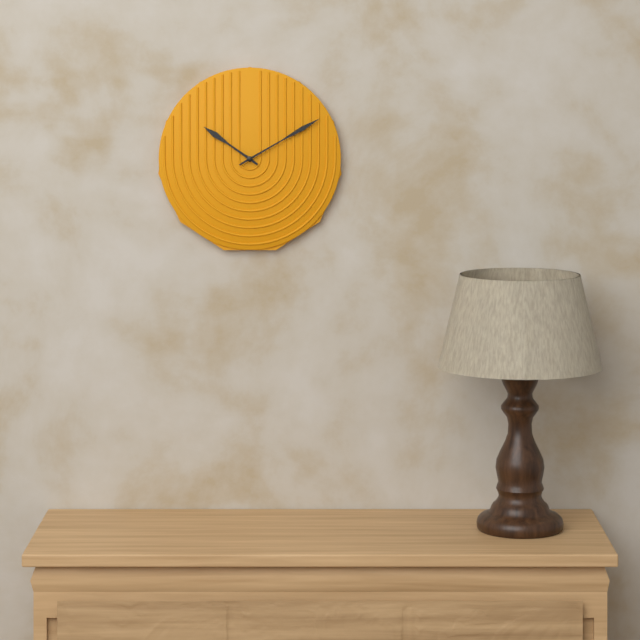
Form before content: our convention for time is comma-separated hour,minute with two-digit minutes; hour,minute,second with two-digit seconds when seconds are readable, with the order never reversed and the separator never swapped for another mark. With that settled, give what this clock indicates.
10,10
